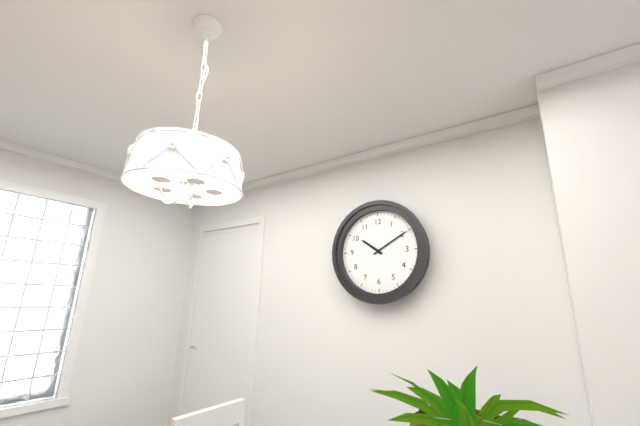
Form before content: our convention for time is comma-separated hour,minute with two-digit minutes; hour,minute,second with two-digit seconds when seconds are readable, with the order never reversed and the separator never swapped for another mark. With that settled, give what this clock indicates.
10,10
